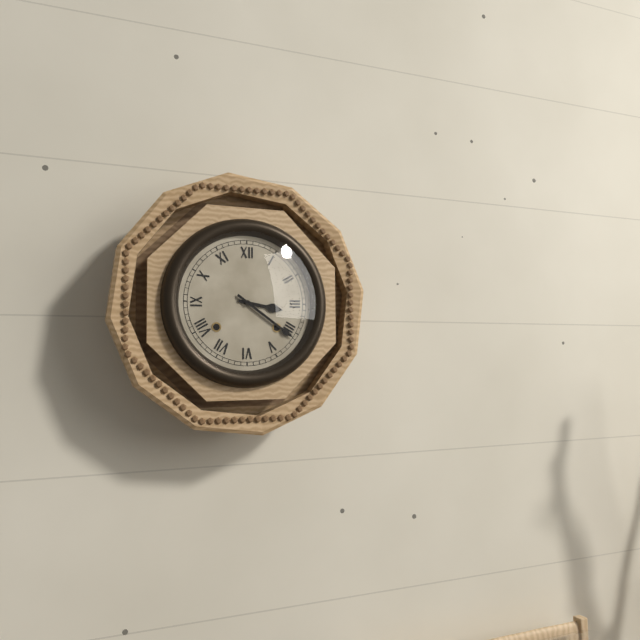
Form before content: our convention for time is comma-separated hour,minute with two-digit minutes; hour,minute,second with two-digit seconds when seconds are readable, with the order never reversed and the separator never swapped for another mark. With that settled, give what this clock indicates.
3,21
